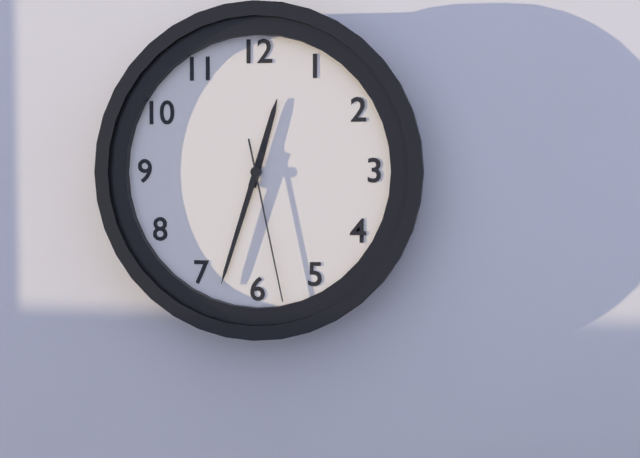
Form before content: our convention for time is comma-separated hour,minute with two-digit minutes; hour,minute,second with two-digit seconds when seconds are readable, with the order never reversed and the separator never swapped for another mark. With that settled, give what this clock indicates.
12,33,28
